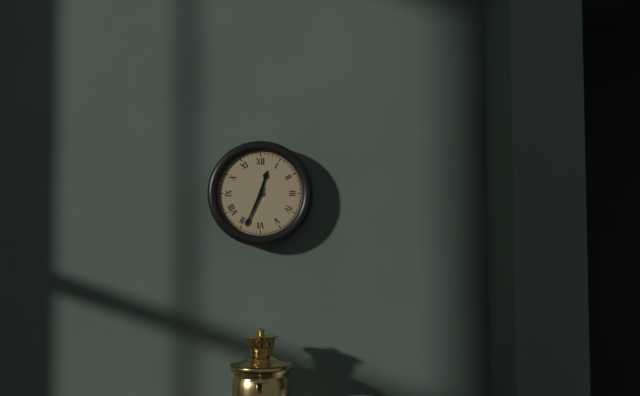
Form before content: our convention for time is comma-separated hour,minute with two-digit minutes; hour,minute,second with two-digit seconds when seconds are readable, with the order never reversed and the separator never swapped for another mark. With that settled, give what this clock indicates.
12,34
